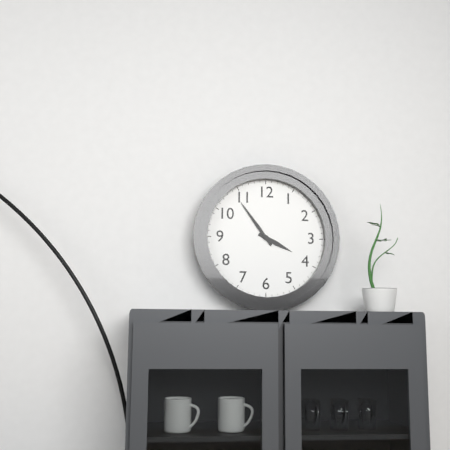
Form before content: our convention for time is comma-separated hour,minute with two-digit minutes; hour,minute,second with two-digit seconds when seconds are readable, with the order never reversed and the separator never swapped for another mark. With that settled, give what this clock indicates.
3,54
